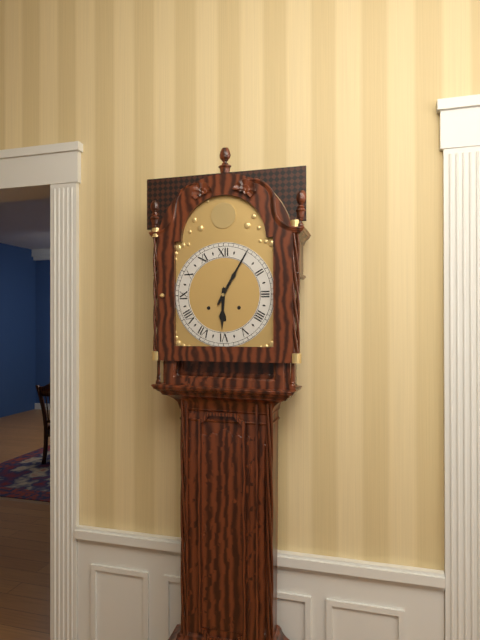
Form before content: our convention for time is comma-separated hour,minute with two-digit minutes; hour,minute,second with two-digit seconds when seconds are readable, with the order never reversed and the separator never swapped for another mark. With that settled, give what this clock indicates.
6,05
